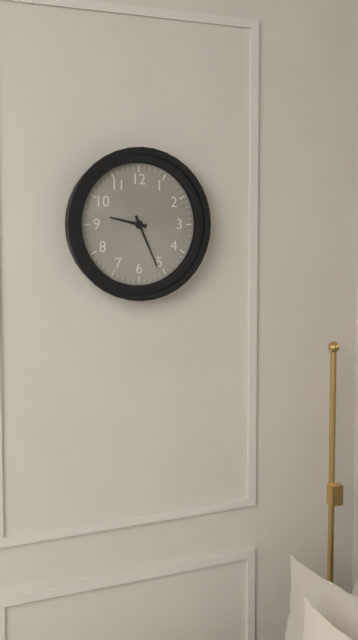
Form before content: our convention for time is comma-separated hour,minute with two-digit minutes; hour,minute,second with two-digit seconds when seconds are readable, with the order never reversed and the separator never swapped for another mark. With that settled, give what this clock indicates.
9,26
